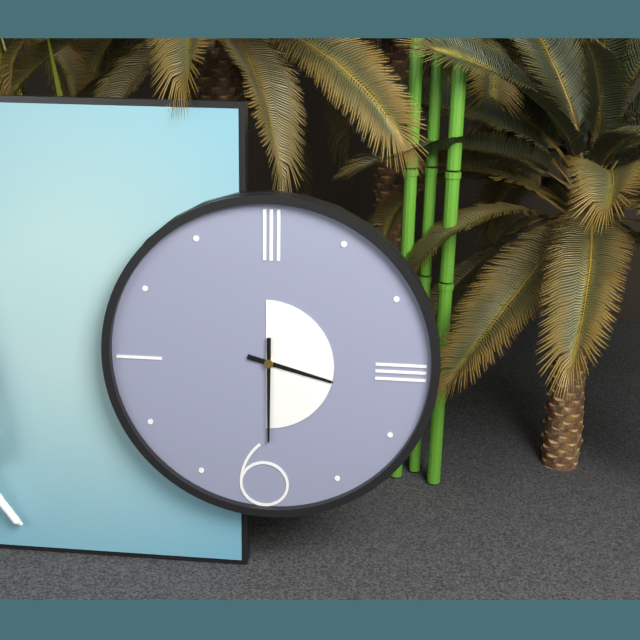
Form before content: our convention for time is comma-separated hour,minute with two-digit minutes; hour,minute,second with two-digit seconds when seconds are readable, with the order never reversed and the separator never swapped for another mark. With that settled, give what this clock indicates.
3,30
